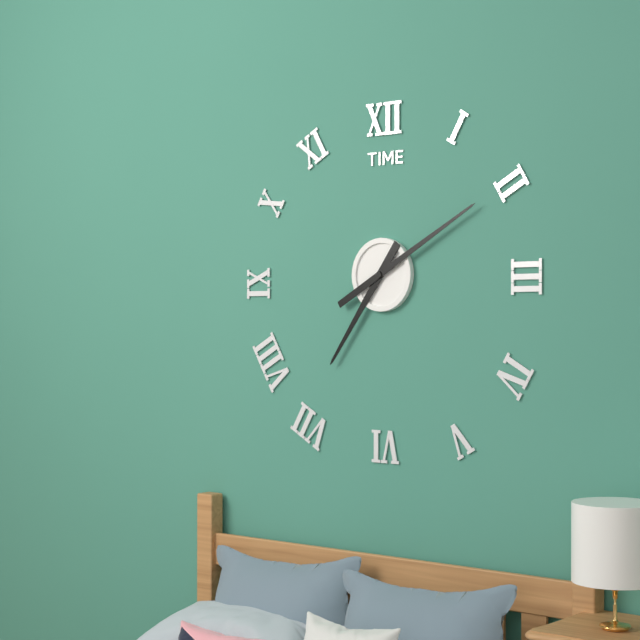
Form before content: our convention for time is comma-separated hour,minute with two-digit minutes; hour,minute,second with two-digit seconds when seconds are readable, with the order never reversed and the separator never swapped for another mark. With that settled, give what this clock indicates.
7,10
